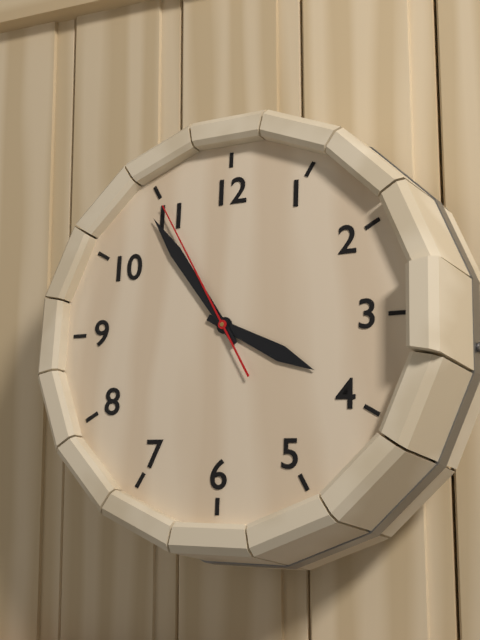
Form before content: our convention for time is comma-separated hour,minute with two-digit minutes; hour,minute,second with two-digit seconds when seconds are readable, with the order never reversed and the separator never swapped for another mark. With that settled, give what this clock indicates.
3,54,55
